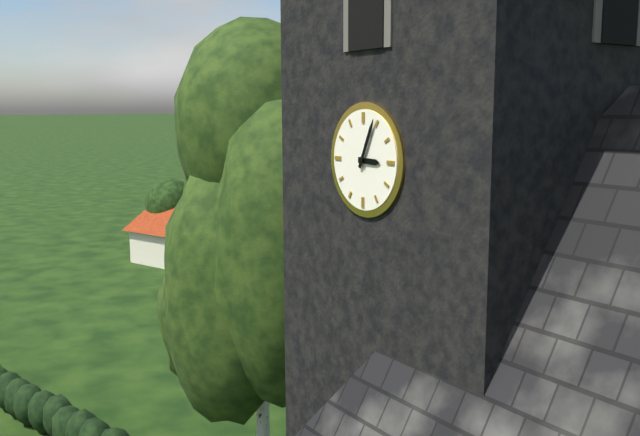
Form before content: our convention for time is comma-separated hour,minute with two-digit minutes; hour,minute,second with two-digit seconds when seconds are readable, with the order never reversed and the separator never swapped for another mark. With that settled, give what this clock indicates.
3,04
